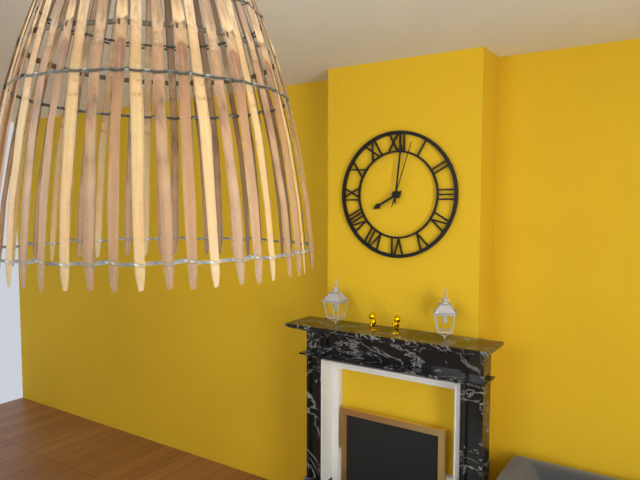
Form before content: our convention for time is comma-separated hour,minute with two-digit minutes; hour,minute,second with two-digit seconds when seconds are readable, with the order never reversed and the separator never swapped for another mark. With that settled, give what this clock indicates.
8,01,03
